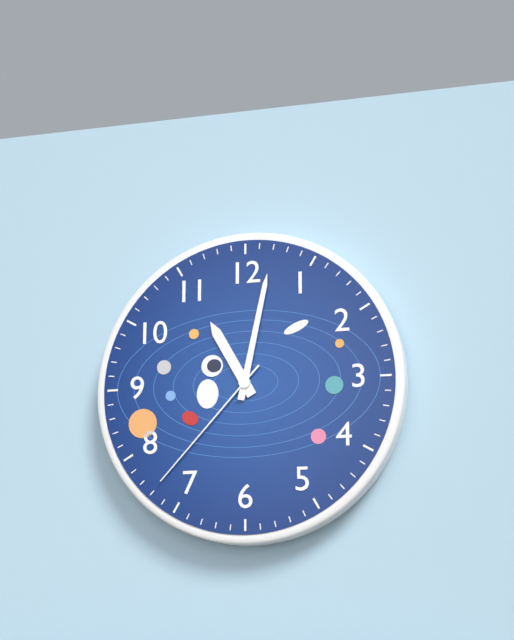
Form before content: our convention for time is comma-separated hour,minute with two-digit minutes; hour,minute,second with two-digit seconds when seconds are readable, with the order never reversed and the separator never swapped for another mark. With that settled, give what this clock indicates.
11,02,37
